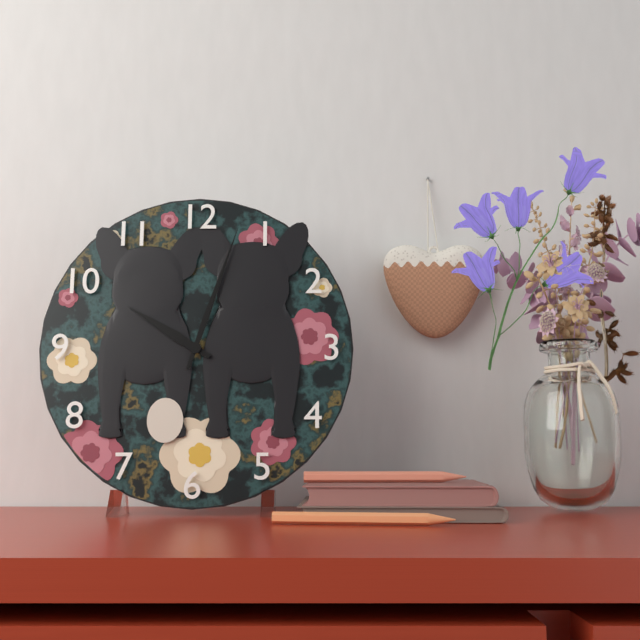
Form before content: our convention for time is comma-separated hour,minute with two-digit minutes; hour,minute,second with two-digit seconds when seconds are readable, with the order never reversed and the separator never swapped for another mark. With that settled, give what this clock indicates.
10,03
